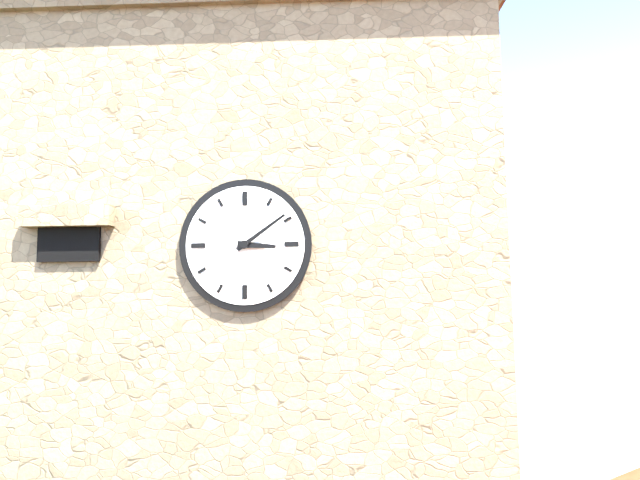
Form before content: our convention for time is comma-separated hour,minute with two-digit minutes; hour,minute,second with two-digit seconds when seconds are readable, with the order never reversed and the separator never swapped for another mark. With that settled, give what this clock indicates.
3,09
